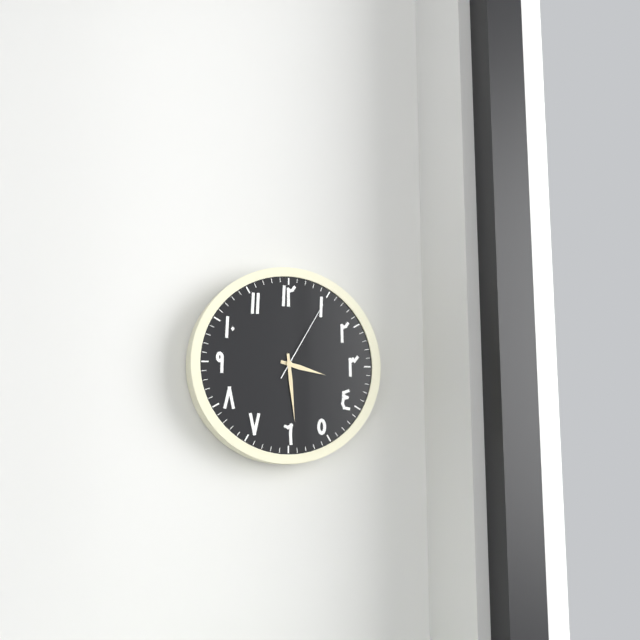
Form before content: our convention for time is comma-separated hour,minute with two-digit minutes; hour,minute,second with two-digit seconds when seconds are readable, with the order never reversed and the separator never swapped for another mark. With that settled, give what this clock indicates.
3,29,05
